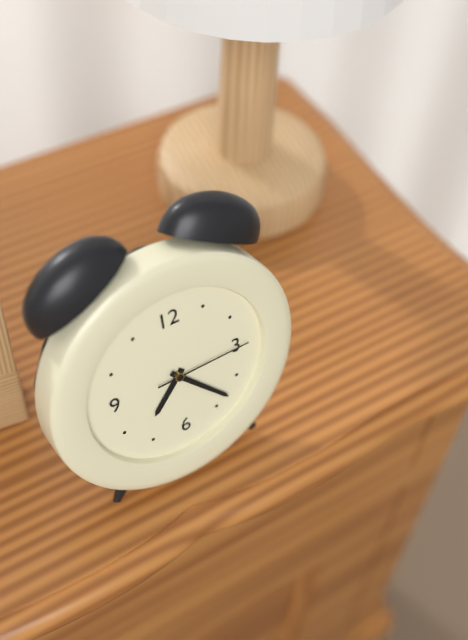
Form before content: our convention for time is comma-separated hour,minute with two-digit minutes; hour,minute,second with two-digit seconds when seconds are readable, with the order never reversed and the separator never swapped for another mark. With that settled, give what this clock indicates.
7,23,15
